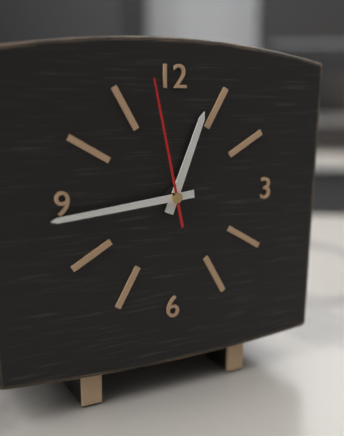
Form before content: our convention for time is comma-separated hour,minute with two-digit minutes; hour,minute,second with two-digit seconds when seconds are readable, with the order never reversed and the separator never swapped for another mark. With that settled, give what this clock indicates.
12,44,58
